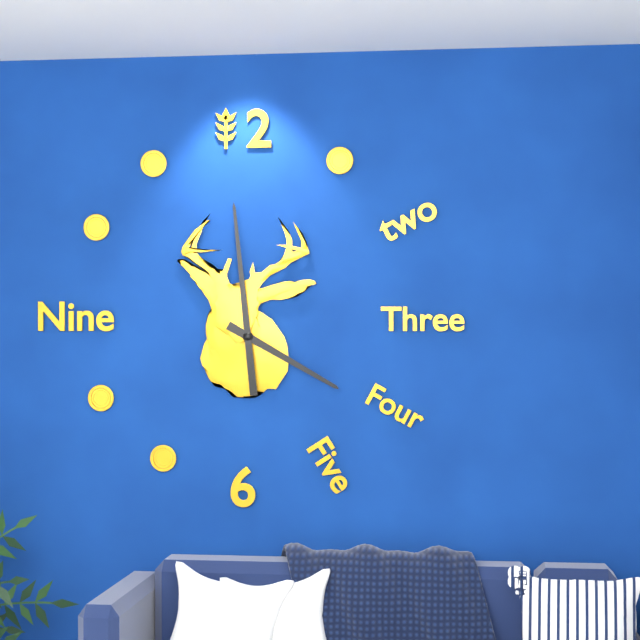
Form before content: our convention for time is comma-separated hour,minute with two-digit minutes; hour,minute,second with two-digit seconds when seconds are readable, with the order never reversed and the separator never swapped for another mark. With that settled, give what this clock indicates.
3,59
